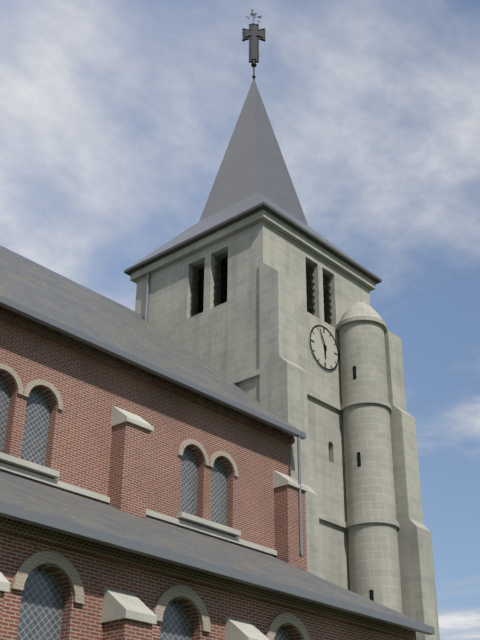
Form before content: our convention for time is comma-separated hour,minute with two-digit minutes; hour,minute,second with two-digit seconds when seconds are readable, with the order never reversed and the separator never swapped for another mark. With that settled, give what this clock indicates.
5,56
